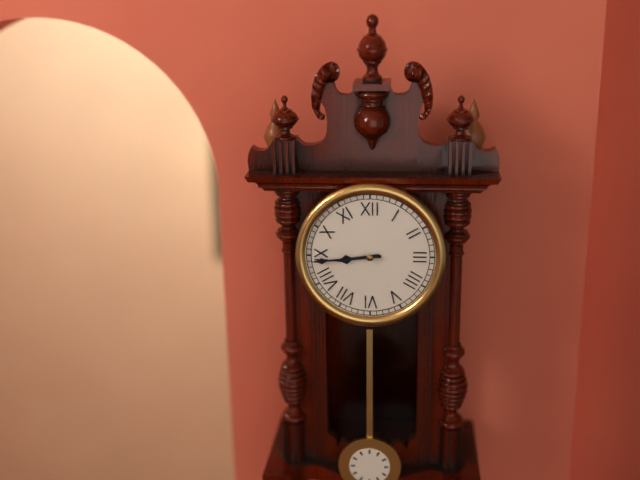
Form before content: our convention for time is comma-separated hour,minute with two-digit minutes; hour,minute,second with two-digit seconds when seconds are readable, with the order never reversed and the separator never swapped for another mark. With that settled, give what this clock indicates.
8,44
